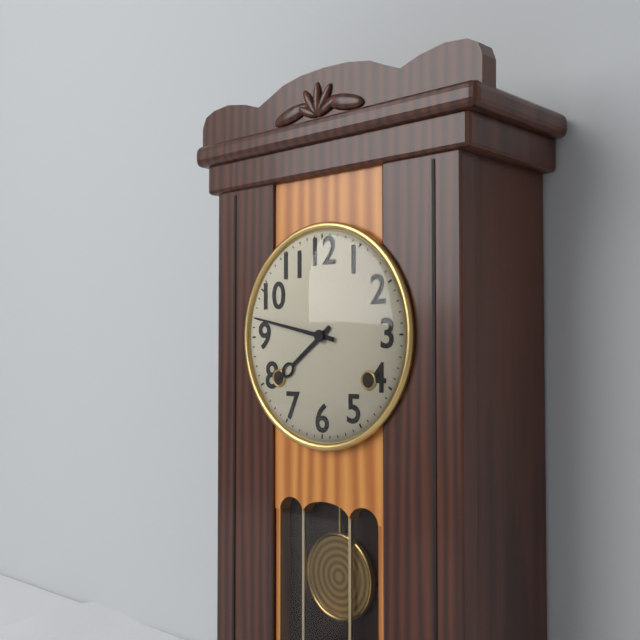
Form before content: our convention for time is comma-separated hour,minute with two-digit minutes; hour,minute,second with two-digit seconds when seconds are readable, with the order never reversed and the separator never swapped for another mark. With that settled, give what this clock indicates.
7,47
